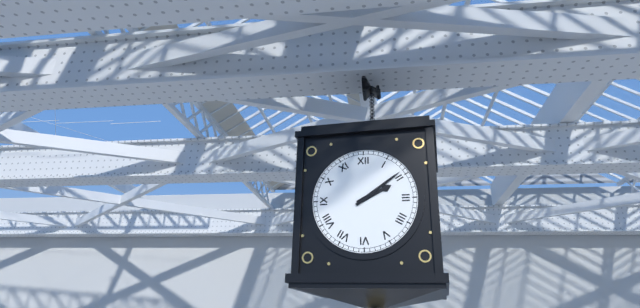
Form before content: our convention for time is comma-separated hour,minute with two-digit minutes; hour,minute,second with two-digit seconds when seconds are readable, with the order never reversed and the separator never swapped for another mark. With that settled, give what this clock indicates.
2,09
